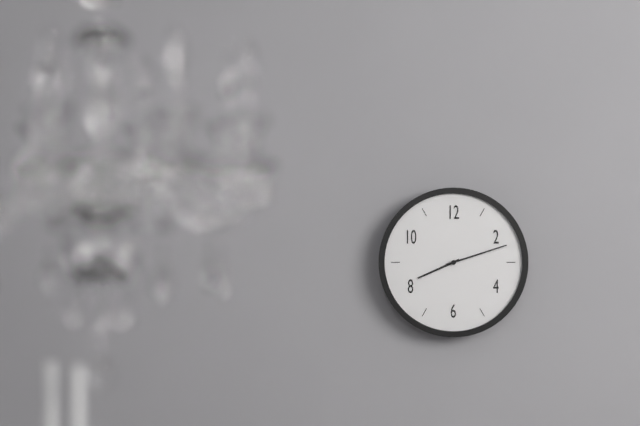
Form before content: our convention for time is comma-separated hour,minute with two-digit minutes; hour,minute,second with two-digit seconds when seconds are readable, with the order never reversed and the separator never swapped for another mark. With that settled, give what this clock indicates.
8,12
